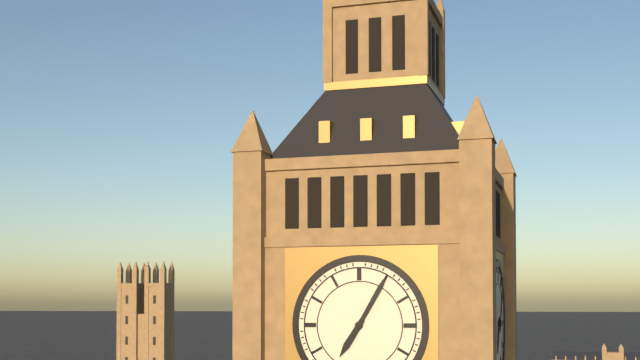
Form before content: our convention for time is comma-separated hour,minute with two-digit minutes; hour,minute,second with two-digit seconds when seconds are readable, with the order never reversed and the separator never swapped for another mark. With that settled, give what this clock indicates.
7,05
